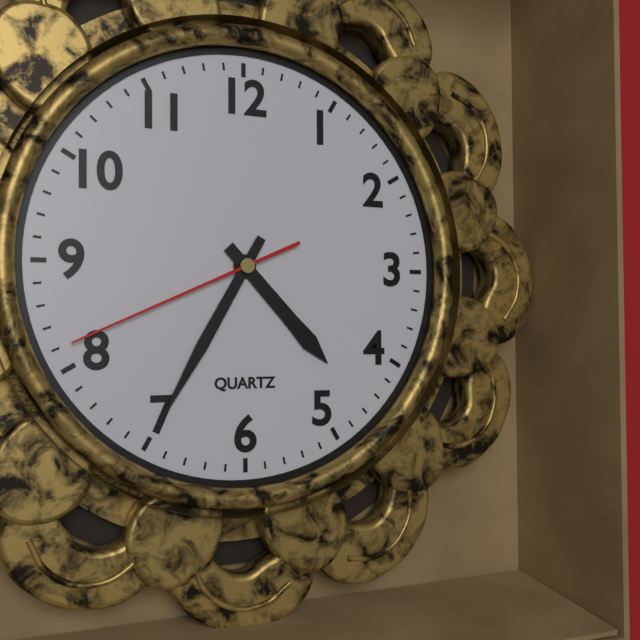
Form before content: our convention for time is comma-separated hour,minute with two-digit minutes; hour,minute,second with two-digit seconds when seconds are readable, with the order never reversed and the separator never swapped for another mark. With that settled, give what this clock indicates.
4,35,41
